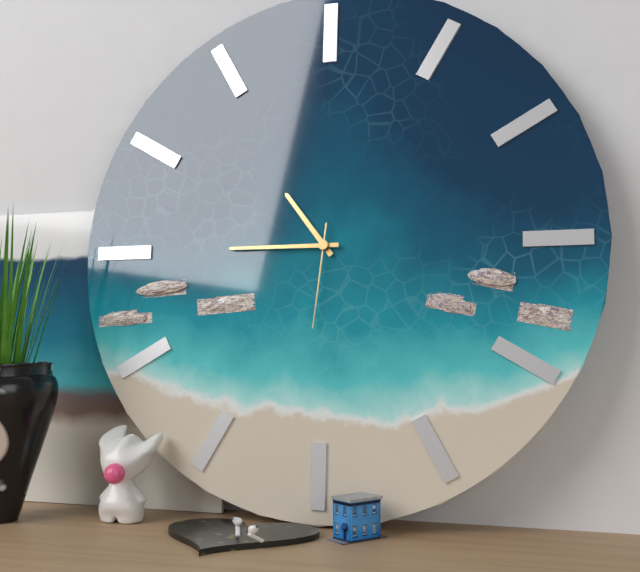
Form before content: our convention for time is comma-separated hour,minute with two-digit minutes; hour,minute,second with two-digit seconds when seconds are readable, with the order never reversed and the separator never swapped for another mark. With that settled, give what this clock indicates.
10,45,31
